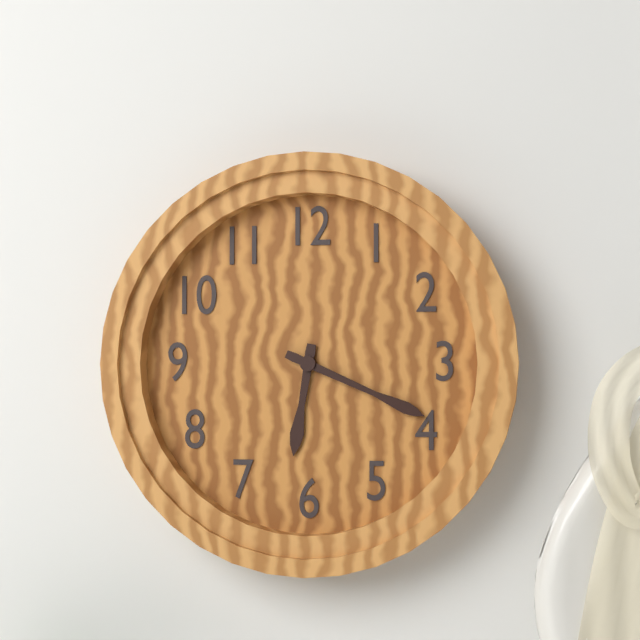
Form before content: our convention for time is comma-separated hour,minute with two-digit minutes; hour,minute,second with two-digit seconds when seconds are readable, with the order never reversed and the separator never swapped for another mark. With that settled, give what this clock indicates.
6,19
